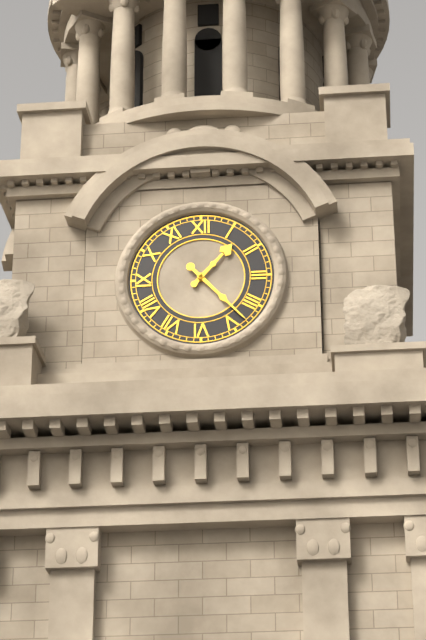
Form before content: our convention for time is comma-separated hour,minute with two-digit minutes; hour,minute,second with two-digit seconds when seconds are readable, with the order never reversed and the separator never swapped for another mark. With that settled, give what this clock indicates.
1,23
